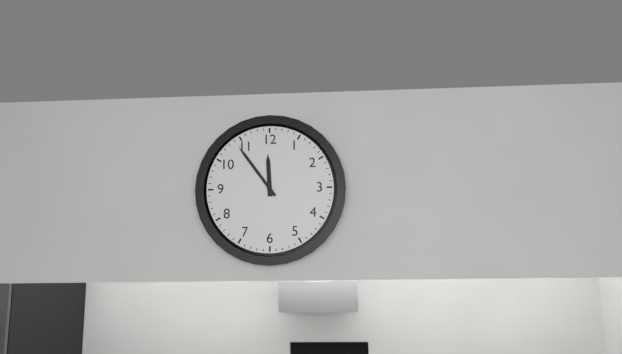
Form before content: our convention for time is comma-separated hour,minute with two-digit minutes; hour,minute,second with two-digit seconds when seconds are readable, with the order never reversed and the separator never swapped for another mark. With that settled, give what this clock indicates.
11,54
